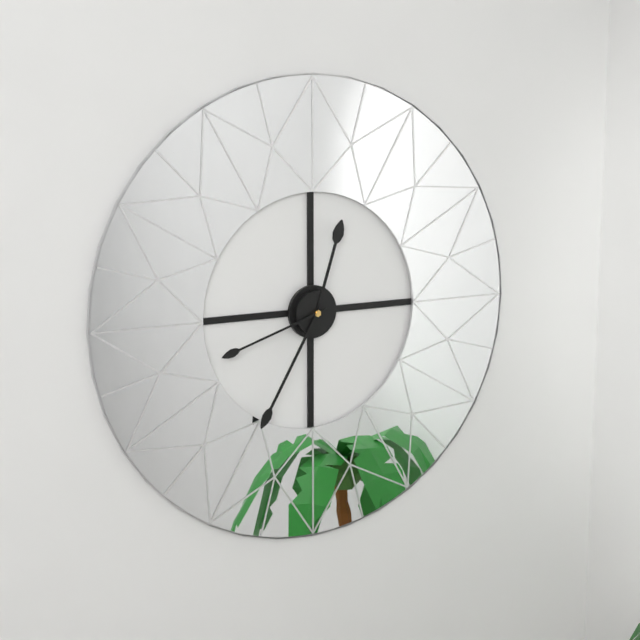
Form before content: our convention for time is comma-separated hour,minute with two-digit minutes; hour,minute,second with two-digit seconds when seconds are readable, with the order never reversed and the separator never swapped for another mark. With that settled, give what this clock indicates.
12,35,42
